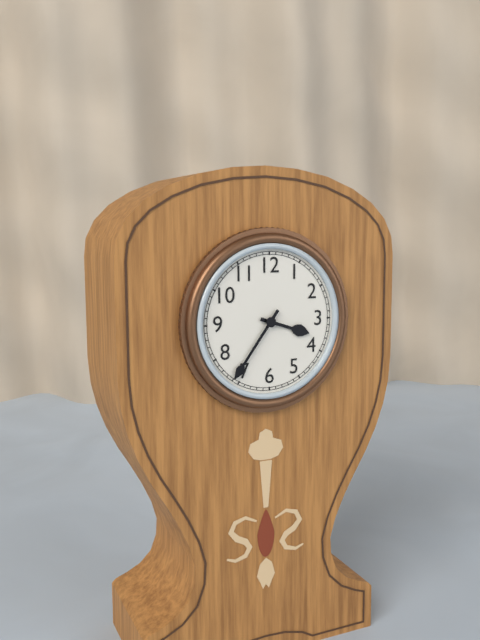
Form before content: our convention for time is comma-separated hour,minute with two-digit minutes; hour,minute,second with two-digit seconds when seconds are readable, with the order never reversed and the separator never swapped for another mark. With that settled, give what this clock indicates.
3,36
